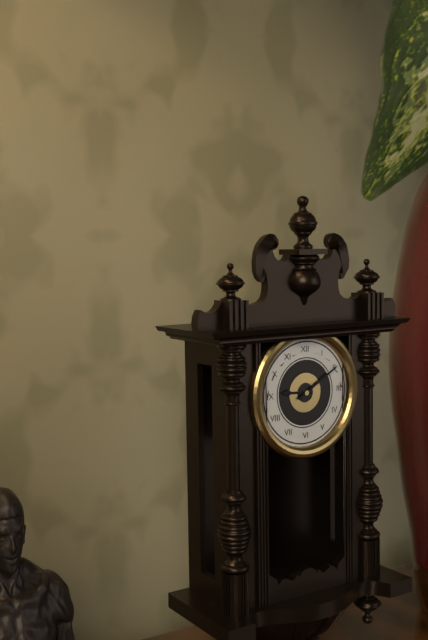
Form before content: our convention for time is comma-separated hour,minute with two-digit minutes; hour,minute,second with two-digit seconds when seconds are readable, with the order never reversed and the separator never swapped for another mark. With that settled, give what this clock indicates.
9,10
